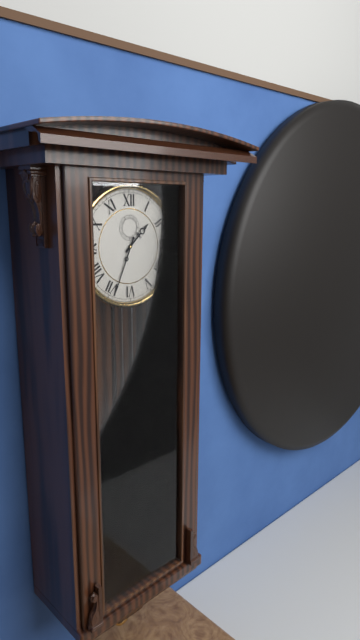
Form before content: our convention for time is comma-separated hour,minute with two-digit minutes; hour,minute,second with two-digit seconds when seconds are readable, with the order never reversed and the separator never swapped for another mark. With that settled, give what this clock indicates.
1,34
